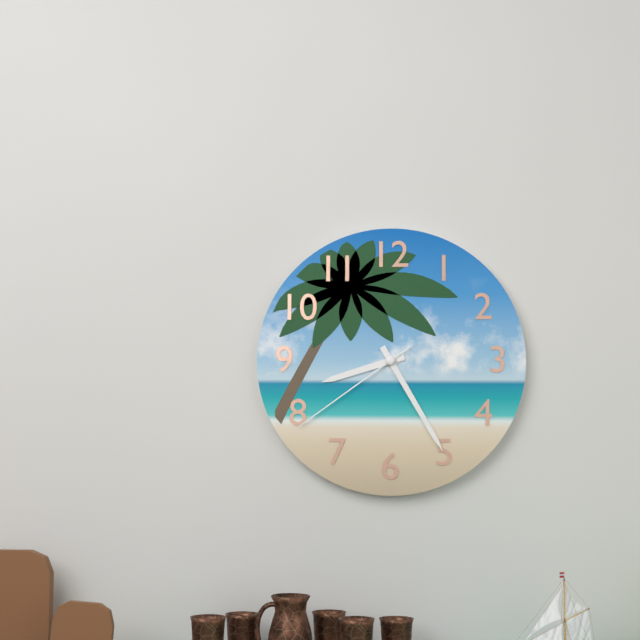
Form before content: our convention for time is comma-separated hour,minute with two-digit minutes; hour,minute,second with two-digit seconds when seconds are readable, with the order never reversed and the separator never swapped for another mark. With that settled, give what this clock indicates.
8,25,39
